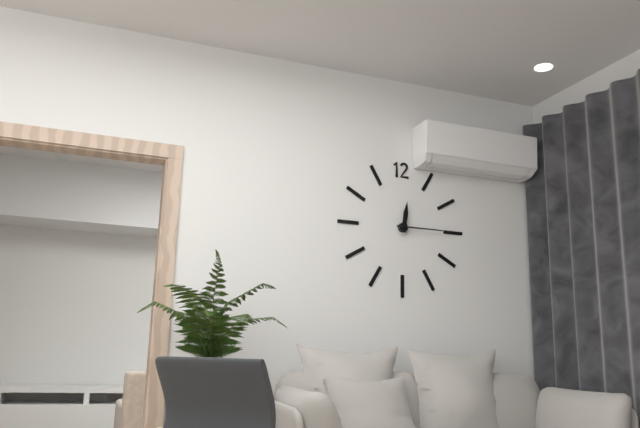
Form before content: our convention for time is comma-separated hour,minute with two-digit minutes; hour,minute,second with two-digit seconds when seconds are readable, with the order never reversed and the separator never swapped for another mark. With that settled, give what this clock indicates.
12,15
